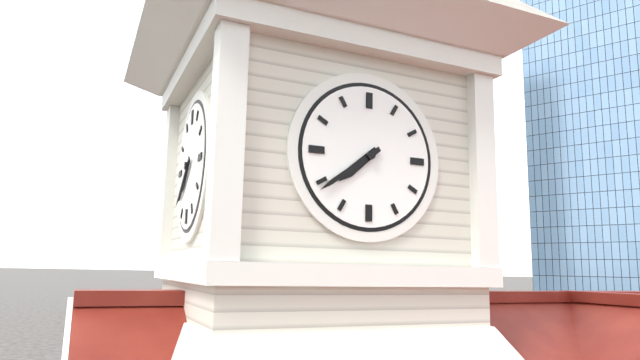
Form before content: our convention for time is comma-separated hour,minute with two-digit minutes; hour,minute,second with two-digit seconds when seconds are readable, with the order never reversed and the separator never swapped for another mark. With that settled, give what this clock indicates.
7,39
